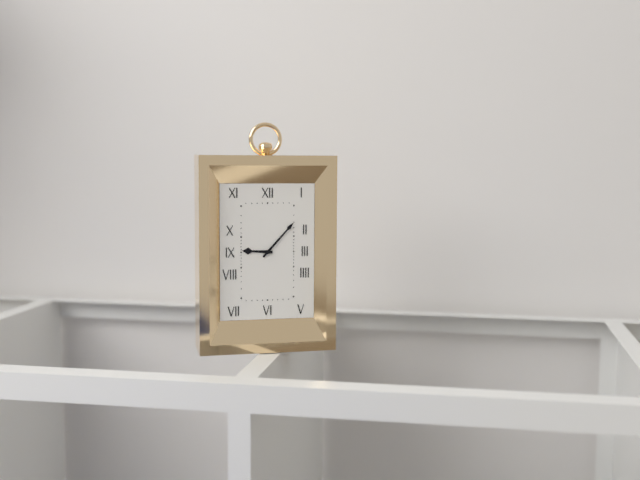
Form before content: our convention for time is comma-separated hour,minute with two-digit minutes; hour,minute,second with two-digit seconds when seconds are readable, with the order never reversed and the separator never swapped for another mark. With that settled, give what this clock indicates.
9,07
